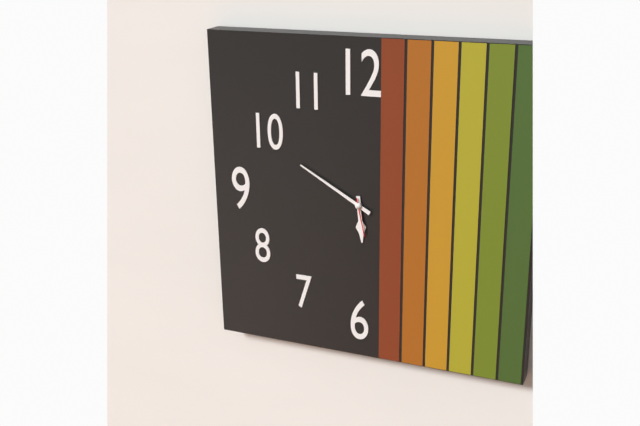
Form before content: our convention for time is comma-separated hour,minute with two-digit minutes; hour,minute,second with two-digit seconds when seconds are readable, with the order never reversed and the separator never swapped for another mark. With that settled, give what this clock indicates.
5,50
